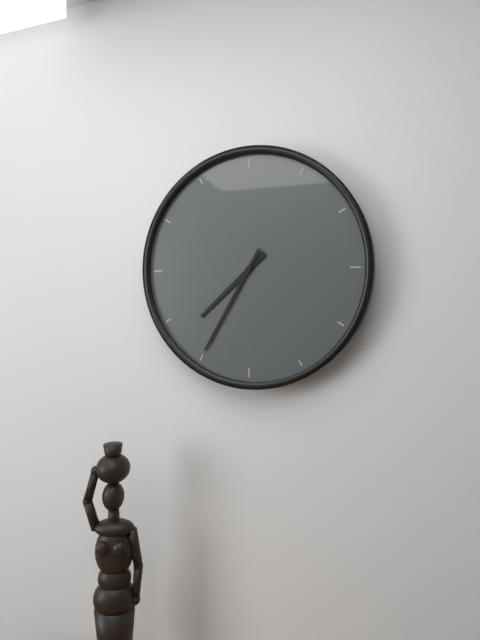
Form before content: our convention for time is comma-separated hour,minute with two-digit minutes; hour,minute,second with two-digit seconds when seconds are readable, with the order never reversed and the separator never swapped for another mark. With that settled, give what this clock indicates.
7,35
